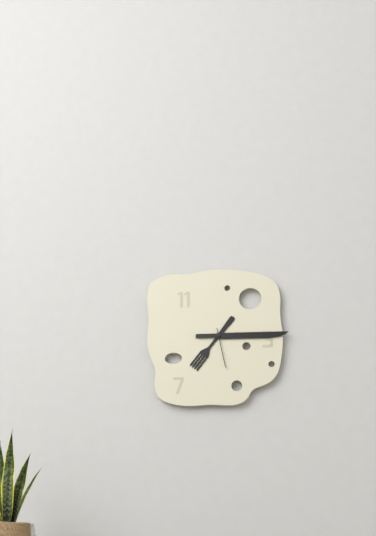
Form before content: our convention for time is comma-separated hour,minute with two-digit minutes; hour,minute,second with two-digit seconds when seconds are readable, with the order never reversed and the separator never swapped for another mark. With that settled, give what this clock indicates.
7,15
